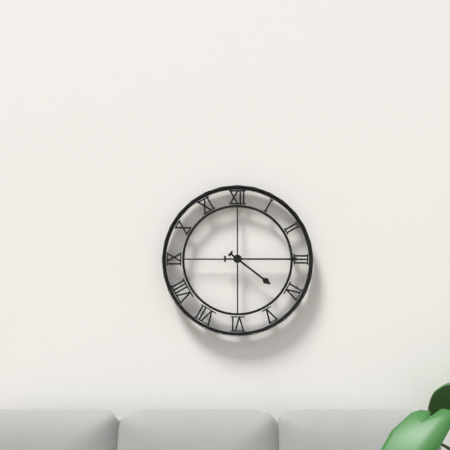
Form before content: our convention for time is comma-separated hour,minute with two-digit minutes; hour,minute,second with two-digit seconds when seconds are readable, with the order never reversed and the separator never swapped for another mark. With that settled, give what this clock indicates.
4,15
